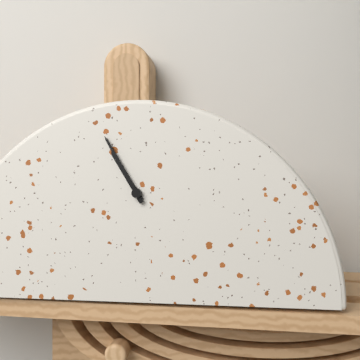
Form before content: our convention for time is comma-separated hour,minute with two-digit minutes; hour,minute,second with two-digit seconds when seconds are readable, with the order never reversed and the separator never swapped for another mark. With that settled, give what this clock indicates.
10,55
